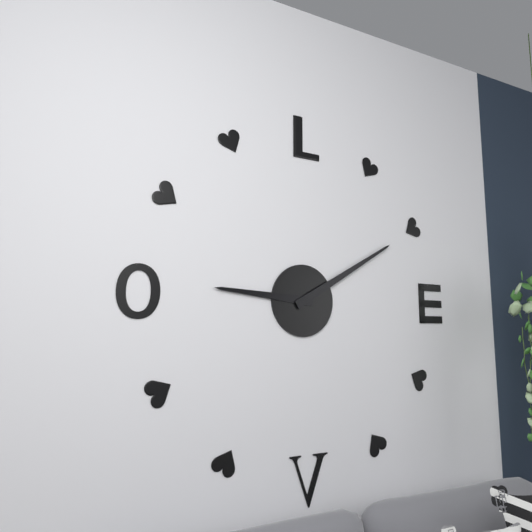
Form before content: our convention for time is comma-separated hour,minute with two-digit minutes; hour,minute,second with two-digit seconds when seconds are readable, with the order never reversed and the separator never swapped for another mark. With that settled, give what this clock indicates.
9,10
